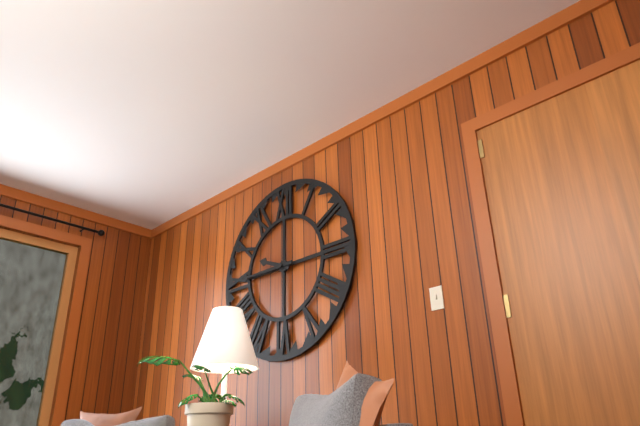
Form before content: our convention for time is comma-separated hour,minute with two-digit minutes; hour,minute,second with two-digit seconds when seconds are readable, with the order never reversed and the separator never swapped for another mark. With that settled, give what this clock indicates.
9,45
